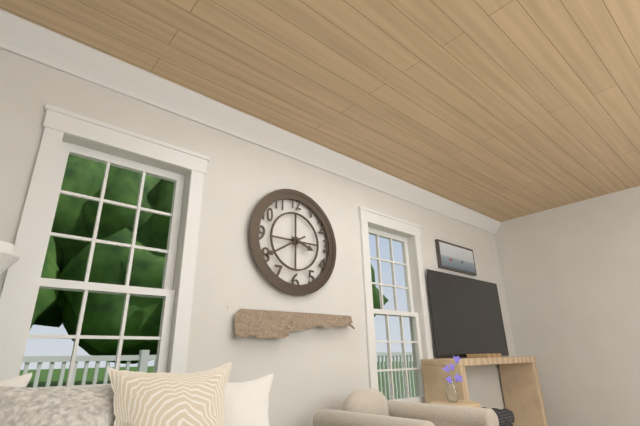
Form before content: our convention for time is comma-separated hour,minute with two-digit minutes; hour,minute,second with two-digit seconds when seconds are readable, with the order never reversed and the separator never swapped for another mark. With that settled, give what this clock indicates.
3,40
